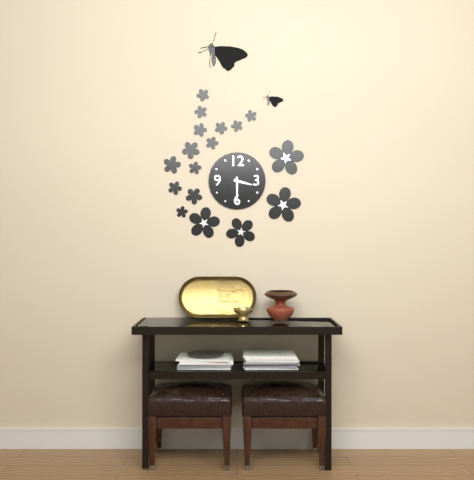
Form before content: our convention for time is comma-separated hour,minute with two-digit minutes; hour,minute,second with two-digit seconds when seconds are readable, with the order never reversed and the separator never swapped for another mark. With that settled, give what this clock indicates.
3,30
